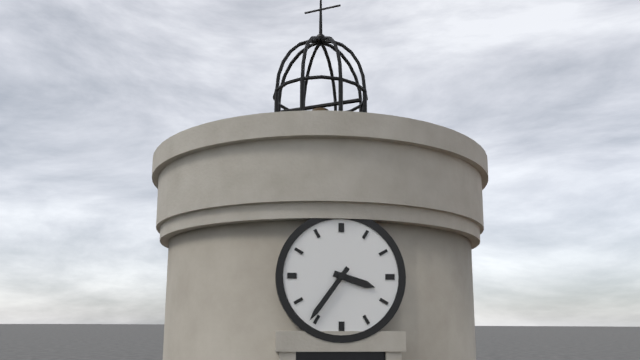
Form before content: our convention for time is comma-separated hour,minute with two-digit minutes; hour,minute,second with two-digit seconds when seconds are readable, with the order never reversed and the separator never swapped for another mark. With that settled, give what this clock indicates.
3,36
